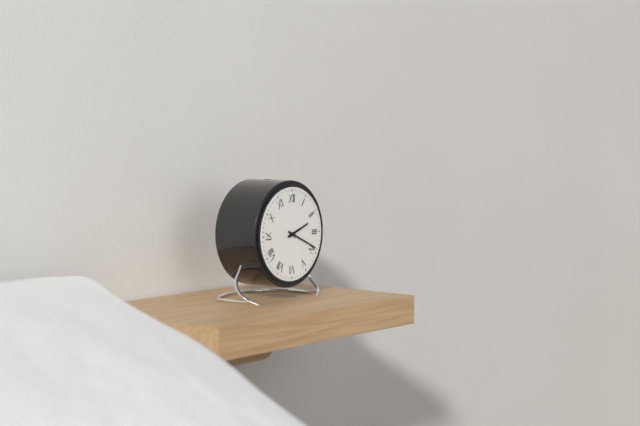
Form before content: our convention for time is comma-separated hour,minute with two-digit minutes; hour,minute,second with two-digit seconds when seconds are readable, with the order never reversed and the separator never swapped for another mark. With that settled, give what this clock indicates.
2,19
